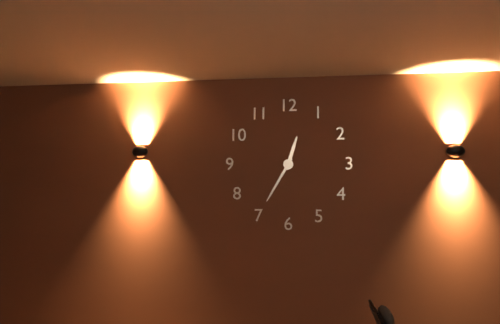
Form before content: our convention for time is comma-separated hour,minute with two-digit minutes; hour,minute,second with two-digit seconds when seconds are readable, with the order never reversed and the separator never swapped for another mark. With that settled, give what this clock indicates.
12,35
